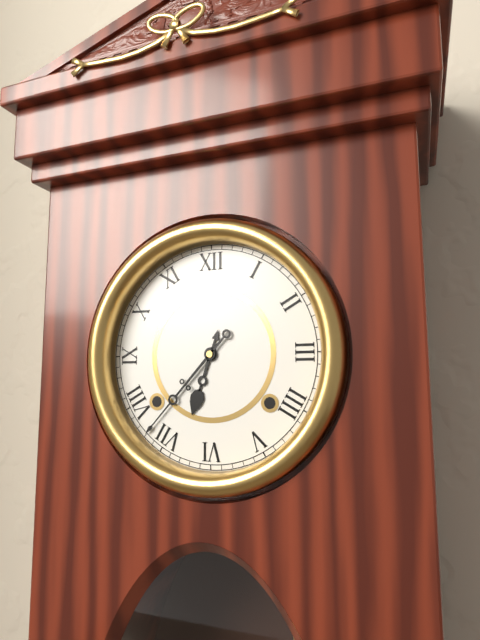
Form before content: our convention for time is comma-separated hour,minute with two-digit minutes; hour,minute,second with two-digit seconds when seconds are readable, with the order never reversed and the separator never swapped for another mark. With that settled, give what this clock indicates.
6,37
